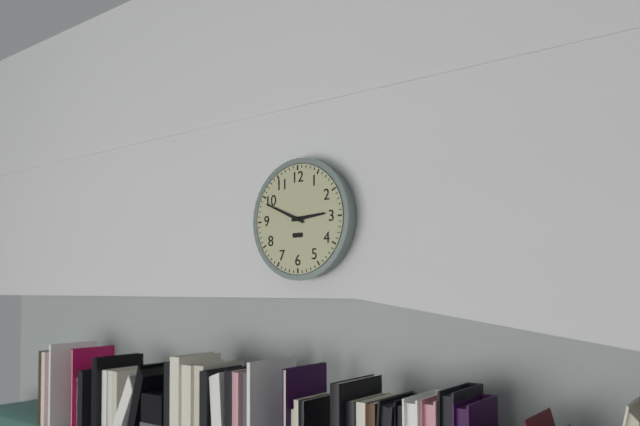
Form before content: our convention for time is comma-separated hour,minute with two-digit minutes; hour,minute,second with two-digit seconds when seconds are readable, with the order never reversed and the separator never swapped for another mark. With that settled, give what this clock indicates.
2,49
